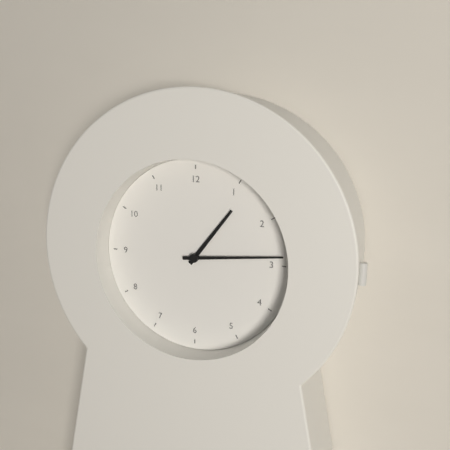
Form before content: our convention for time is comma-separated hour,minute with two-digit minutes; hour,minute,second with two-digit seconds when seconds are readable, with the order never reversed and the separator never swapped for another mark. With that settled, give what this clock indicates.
1,14
